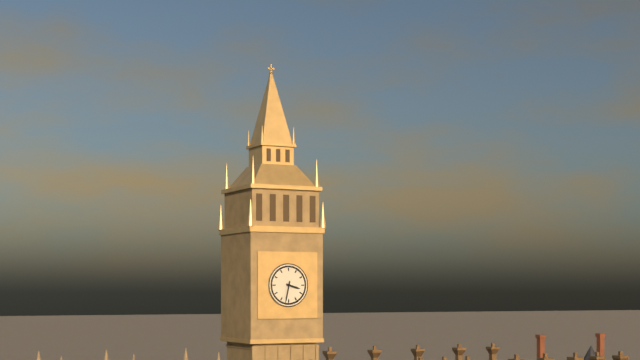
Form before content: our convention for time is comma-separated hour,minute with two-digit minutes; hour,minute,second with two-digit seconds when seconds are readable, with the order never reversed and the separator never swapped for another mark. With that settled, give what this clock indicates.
3,32
